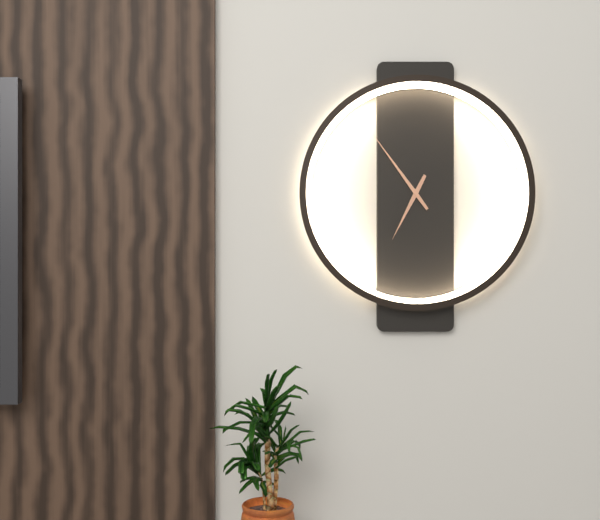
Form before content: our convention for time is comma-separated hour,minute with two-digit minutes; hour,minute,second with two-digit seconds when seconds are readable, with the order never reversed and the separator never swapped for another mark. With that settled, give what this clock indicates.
6,54
